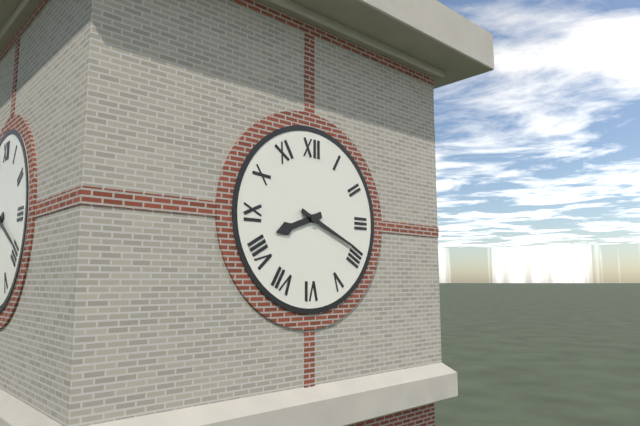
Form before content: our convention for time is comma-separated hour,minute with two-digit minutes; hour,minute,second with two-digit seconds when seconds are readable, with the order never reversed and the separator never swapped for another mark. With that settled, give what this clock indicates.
8,19
